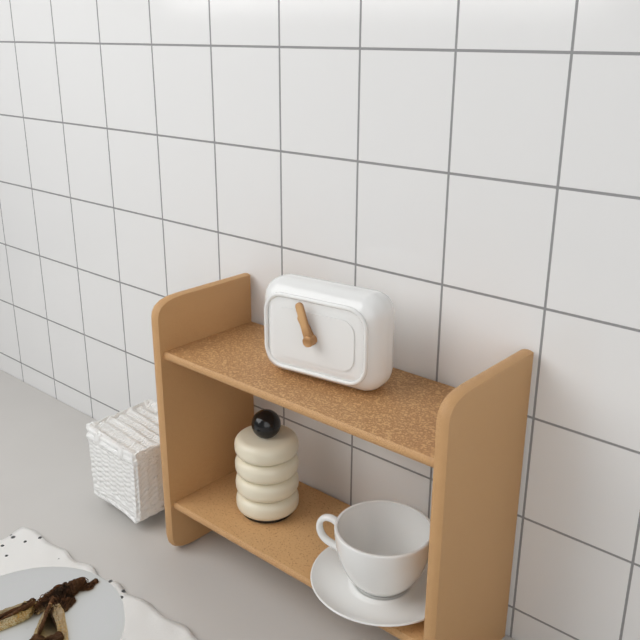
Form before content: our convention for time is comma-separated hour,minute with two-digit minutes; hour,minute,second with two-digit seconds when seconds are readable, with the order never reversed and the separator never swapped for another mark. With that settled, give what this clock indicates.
10,57
